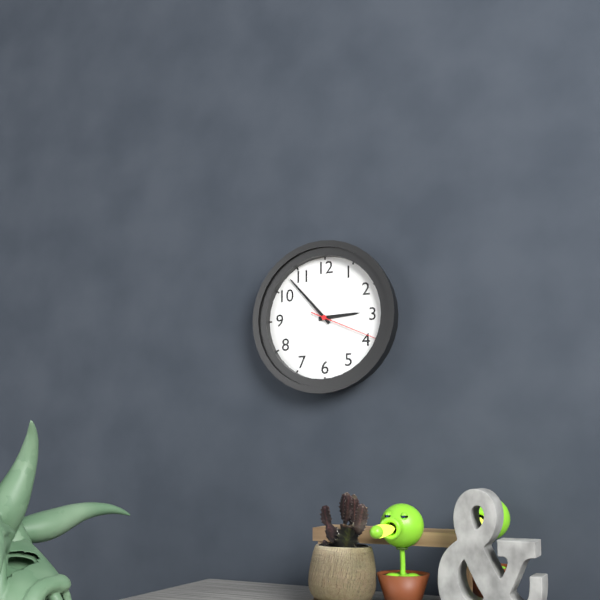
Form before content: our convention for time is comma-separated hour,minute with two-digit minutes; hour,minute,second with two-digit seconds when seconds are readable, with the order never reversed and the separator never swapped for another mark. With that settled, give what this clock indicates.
2,53,19
